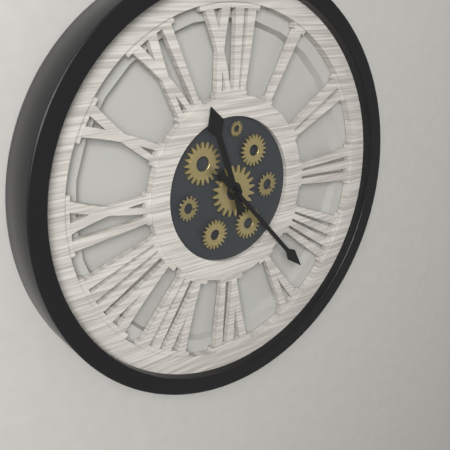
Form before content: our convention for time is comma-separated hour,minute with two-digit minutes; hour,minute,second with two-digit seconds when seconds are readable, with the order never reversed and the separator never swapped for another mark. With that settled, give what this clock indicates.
11,23
